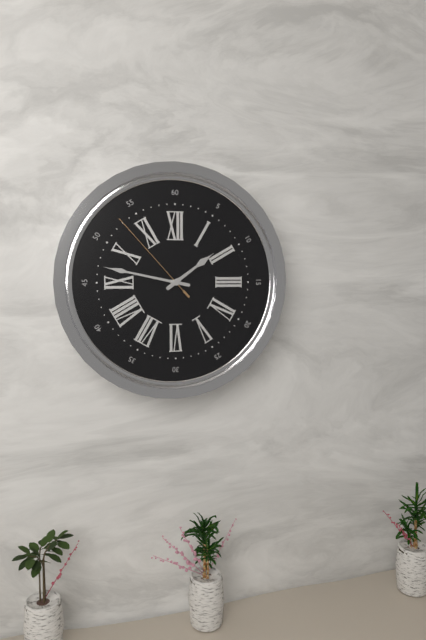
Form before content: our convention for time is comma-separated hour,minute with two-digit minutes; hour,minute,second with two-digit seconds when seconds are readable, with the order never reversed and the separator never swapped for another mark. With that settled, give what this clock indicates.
1,47,53
